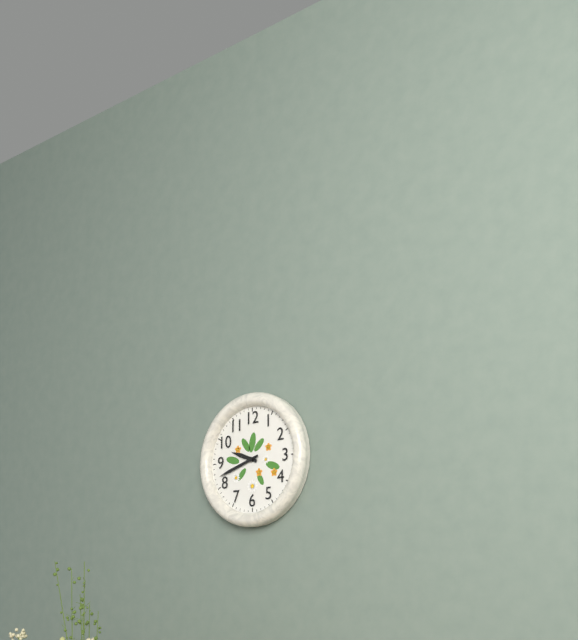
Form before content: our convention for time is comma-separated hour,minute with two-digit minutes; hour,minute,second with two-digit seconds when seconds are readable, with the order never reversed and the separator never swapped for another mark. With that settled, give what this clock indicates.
9,42
